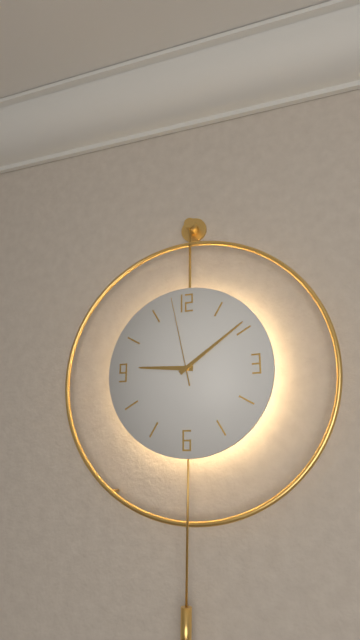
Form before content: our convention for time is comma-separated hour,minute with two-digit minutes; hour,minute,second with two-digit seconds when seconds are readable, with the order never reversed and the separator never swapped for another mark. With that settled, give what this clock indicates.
9,09,58
